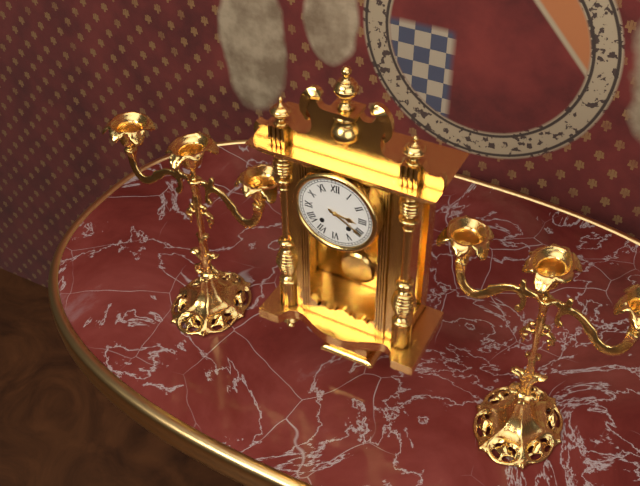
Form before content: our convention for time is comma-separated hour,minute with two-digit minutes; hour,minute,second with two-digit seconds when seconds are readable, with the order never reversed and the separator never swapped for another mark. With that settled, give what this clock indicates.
3,20
